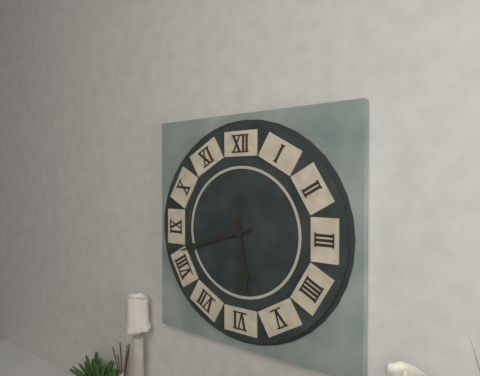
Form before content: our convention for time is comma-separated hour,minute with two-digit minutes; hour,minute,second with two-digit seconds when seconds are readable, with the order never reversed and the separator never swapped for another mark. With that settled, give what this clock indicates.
5,42
